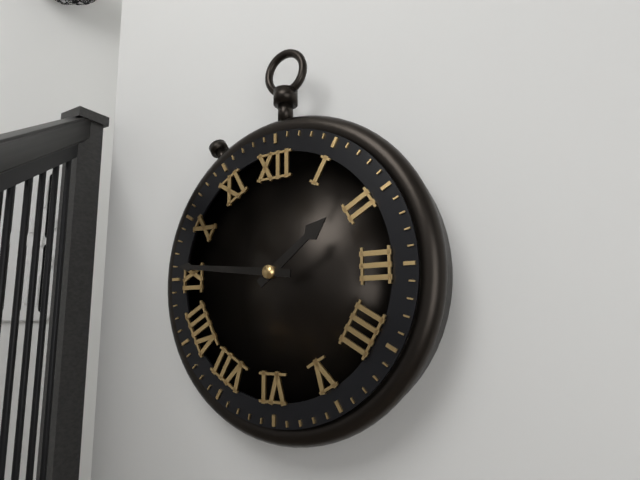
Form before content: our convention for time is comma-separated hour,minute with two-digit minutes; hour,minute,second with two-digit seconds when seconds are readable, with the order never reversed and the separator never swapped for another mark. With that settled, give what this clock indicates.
1,46
